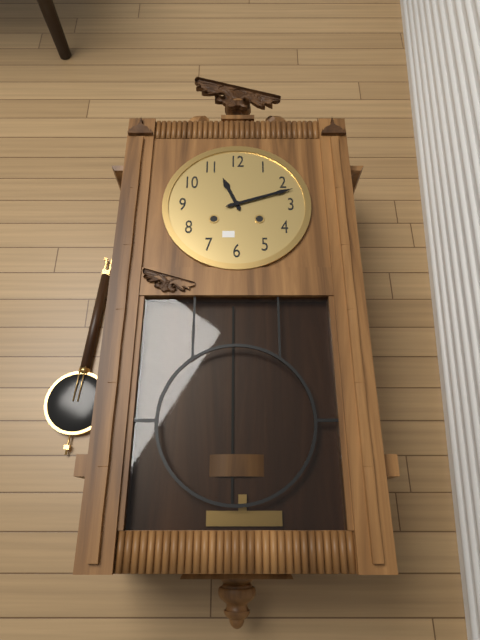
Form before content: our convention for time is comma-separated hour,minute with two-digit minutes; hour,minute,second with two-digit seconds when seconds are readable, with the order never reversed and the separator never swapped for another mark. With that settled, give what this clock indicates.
11,12
